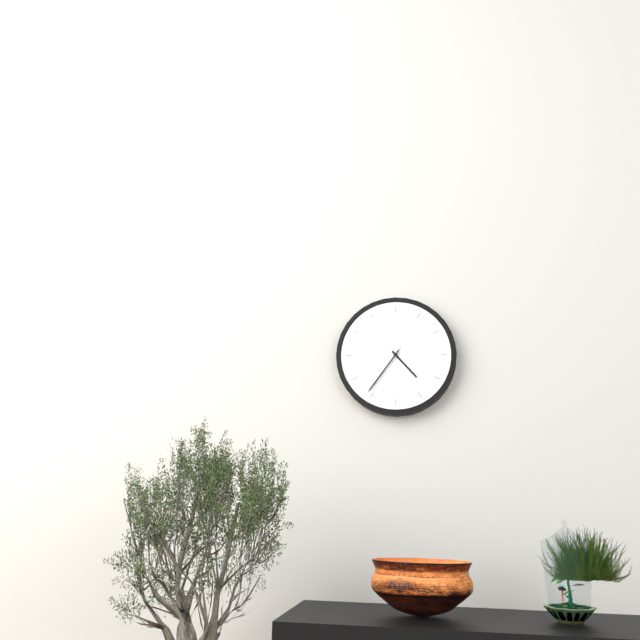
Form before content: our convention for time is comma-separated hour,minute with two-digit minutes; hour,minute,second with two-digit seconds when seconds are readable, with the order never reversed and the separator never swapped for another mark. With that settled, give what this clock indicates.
4,36,36
